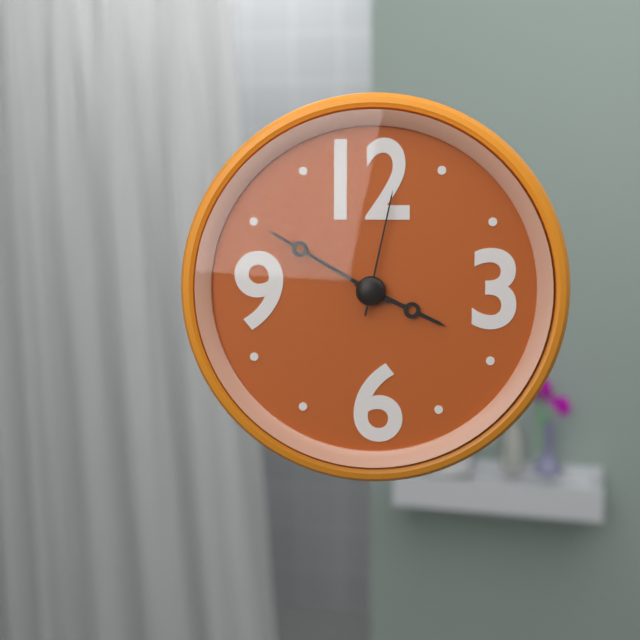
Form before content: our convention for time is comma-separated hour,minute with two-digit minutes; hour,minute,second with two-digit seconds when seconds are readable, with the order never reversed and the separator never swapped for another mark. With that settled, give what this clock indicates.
3,50,02
